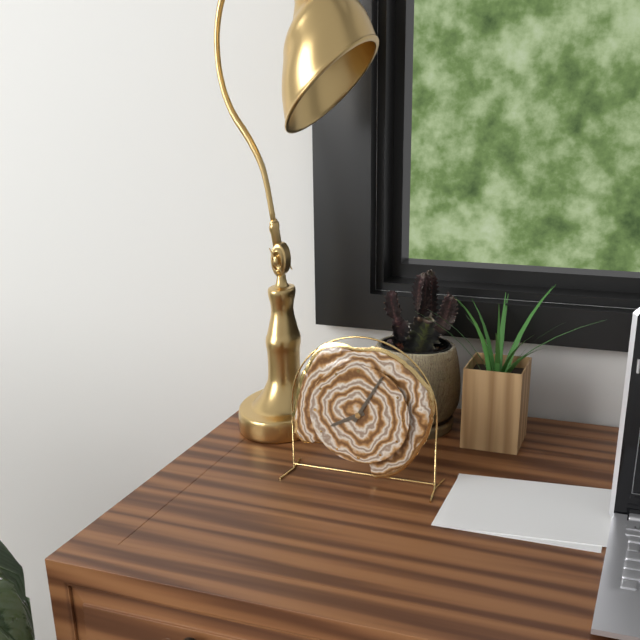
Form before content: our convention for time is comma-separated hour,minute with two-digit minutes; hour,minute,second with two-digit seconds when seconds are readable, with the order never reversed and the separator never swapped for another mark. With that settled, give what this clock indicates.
8,05
